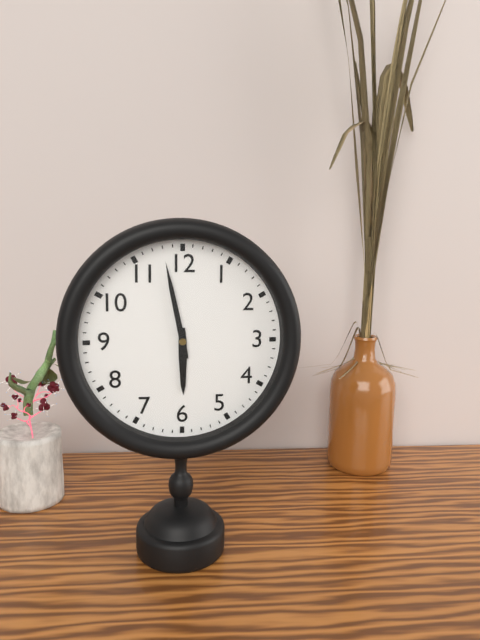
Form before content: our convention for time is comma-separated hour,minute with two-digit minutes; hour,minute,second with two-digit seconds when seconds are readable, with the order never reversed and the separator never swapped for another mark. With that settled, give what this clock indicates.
5,58
